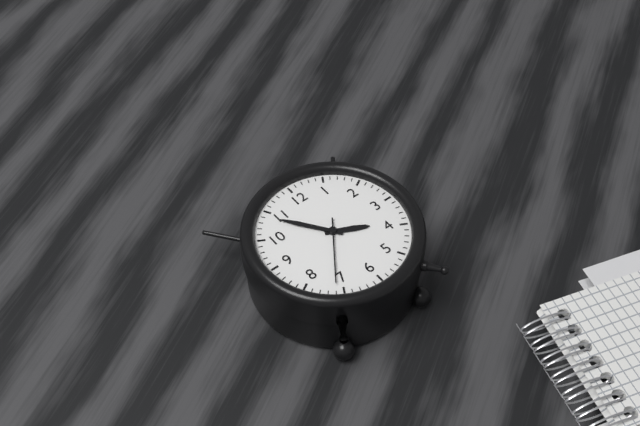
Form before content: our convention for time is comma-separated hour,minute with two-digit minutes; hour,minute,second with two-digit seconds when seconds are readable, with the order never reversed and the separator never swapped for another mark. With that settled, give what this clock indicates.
3,54,36
